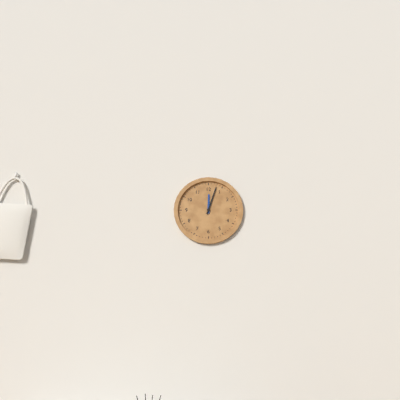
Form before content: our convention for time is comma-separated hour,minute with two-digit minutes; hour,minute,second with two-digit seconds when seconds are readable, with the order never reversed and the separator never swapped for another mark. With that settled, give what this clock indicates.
12,03
